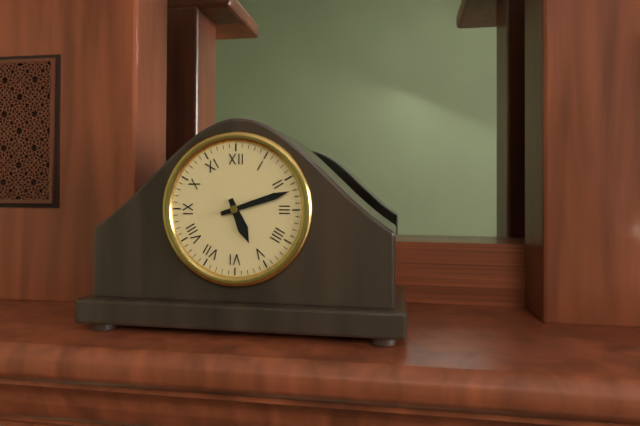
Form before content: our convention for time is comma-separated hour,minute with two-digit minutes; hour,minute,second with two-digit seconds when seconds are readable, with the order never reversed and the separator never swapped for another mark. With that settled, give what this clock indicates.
5,12
